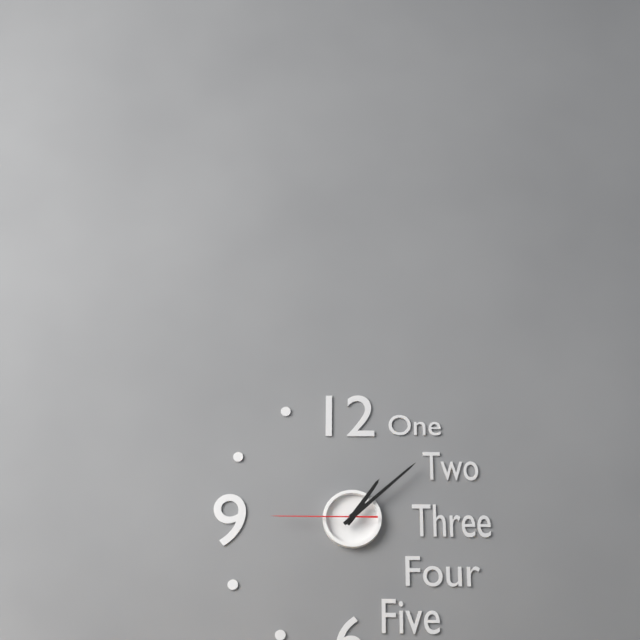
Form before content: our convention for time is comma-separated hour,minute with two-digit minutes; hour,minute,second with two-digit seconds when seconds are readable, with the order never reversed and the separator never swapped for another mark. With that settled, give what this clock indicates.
1,08,45
